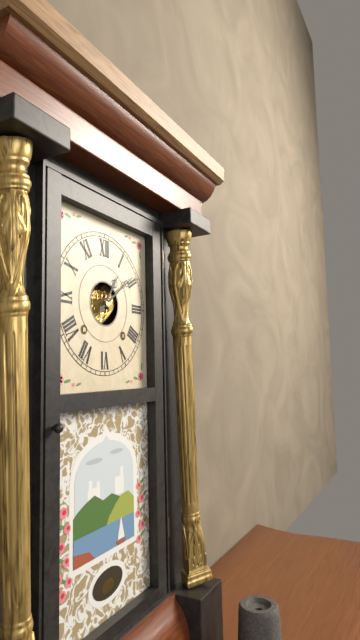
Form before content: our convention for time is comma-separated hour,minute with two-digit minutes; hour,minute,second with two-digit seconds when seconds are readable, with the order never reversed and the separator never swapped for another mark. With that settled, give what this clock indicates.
1,09
